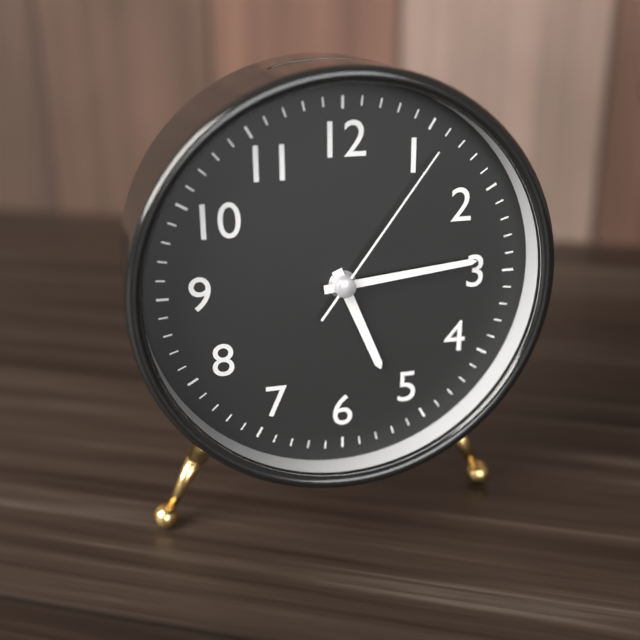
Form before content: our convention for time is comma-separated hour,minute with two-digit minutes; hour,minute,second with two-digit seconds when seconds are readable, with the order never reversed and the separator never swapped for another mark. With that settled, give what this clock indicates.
5,14,06
